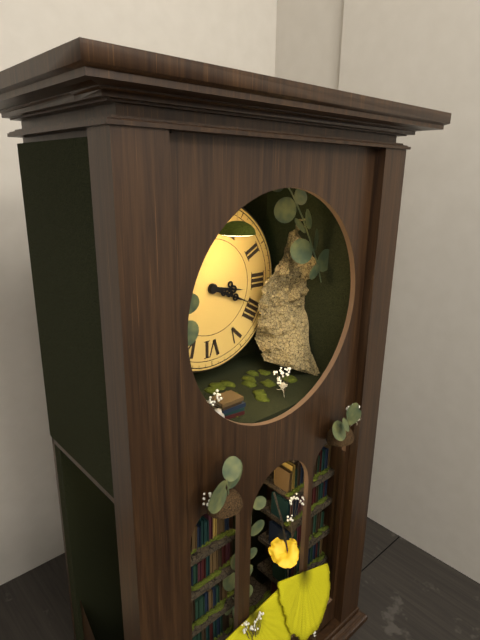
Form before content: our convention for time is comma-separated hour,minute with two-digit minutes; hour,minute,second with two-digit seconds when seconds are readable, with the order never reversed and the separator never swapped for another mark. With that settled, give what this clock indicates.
3,19
